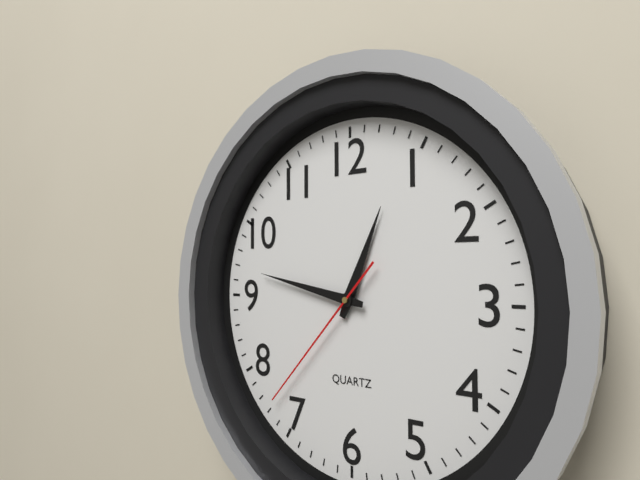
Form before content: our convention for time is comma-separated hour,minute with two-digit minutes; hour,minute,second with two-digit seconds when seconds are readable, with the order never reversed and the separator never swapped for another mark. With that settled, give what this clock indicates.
12,47,37
